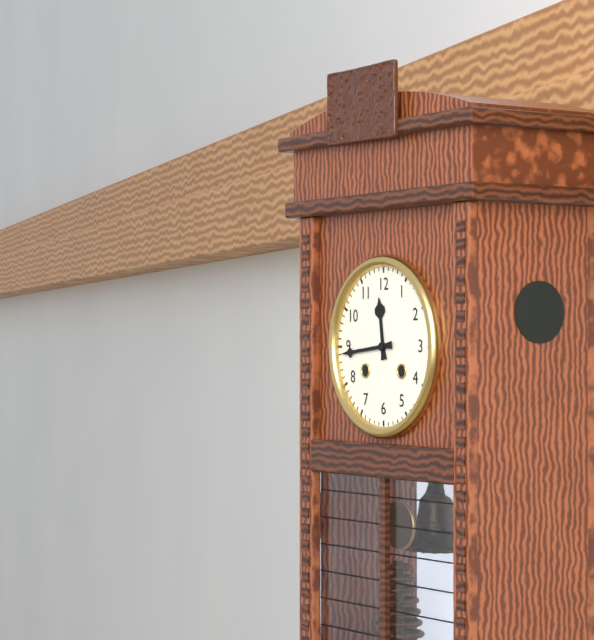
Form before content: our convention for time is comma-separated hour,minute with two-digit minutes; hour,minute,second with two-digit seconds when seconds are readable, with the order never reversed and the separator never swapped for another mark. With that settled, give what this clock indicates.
11,44
